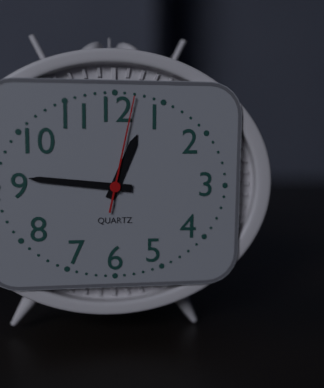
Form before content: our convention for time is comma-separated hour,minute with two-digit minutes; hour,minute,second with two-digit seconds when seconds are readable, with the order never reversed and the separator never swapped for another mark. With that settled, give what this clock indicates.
12,46,02
